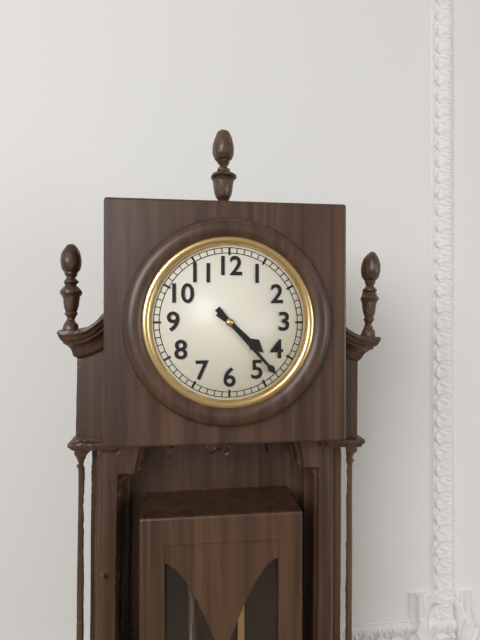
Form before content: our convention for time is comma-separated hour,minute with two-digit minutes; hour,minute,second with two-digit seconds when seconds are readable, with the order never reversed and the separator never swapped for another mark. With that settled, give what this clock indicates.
4,23
